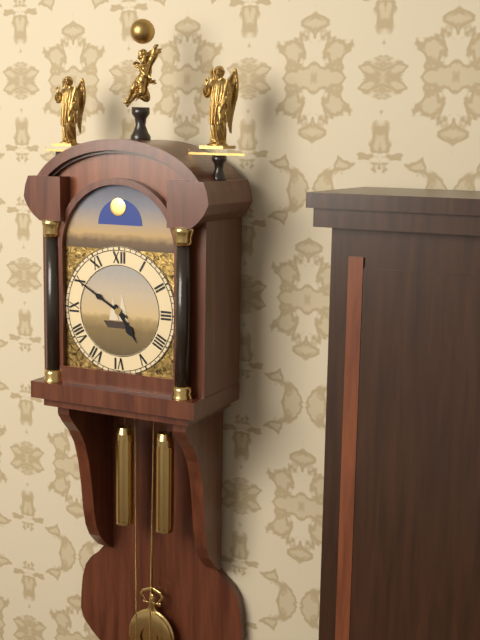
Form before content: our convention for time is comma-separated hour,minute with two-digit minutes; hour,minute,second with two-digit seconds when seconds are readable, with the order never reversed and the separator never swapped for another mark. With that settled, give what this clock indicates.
4,50
